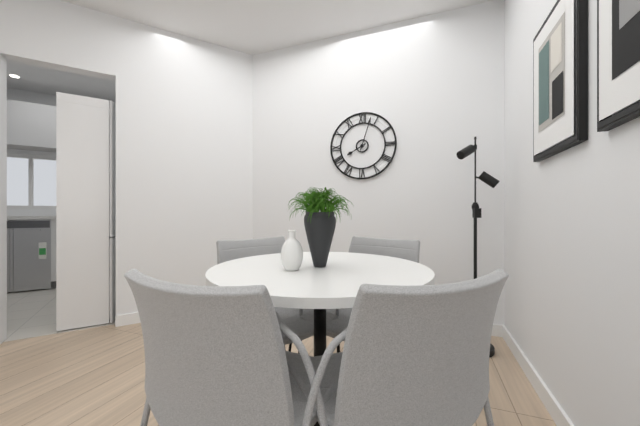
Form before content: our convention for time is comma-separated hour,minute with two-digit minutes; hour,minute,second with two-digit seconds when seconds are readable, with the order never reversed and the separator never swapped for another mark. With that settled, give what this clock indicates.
8,03
